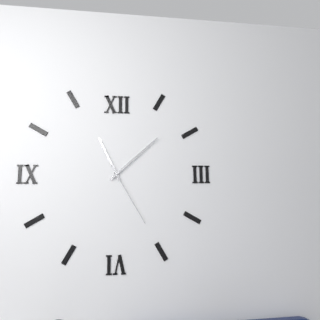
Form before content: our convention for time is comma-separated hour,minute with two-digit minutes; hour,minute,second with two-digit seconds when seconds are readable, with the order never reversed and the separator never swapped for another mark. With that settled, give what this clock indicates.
11,08,25
